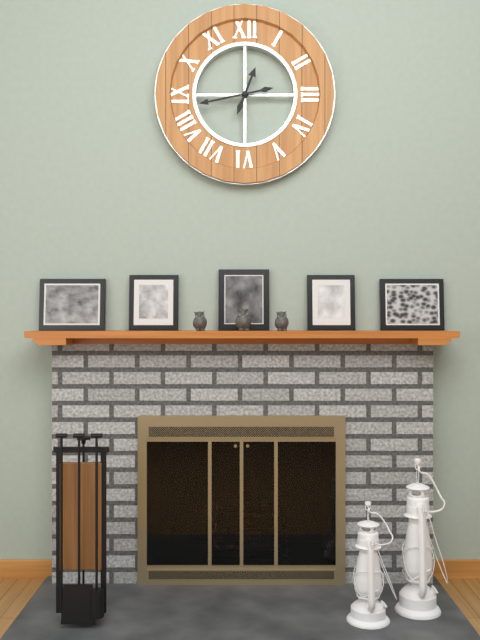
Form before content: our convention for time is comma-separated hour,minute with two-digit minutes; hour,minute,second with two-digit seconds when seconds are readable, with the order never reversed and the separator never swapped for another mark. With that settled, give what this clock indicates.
12,43
